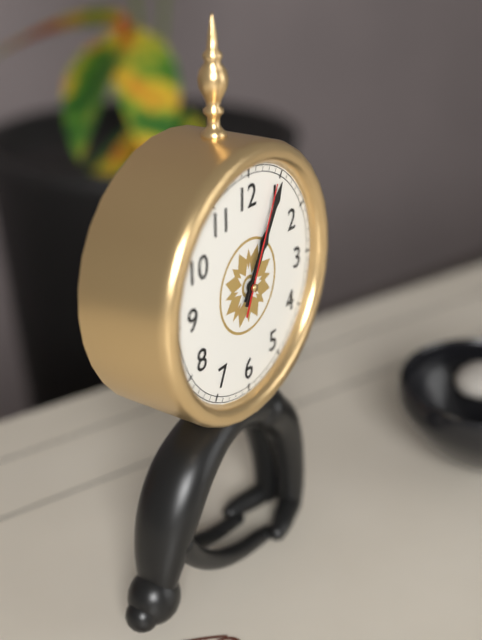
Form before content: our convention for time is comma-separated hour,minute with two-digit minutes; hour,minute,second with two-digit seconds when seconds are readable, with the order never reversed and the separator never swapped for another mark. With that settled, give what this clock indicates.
1,05,04
